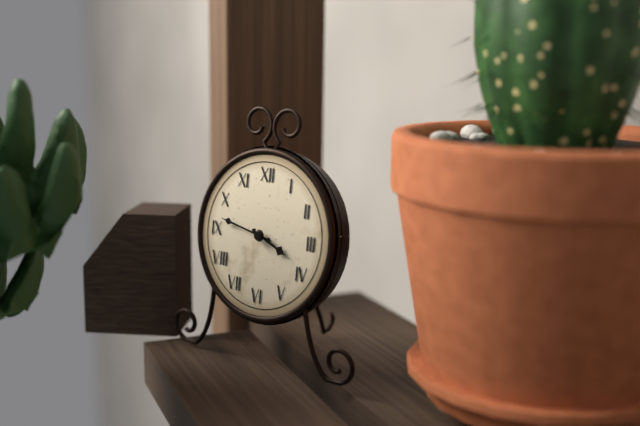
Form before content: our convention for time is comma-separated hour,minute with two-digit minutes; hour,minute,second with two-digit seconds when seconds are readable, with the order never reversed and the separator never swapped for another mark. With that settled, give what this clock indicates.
3,47
